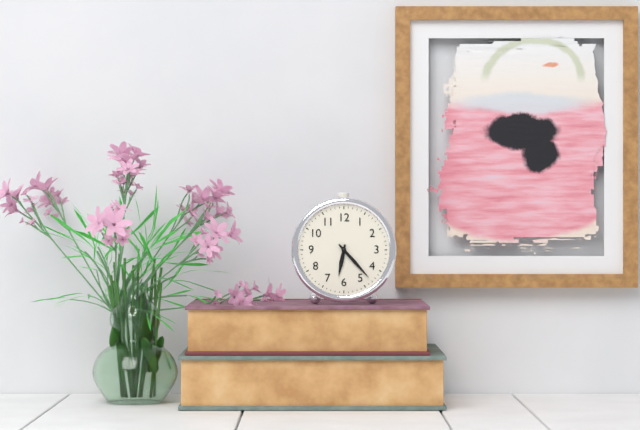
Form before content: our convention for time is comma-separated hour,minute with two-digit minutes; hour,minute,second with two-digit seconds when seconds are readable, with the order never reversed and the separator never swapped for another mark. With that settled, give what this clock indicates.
6,23
